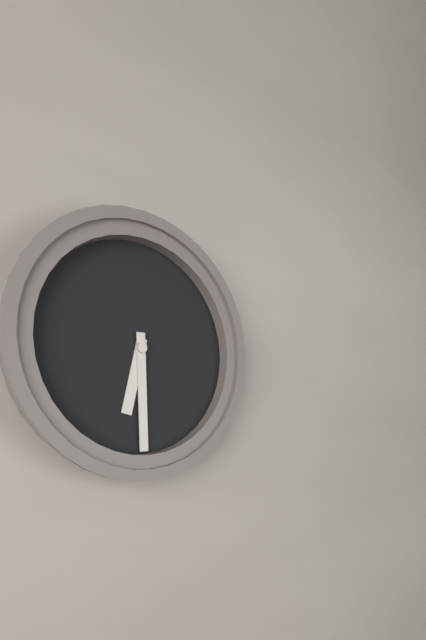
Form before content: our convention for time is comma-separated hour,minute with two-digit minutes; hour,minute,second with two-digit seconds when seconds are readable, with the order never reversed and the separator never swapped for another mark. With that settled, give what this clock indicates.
6,30
